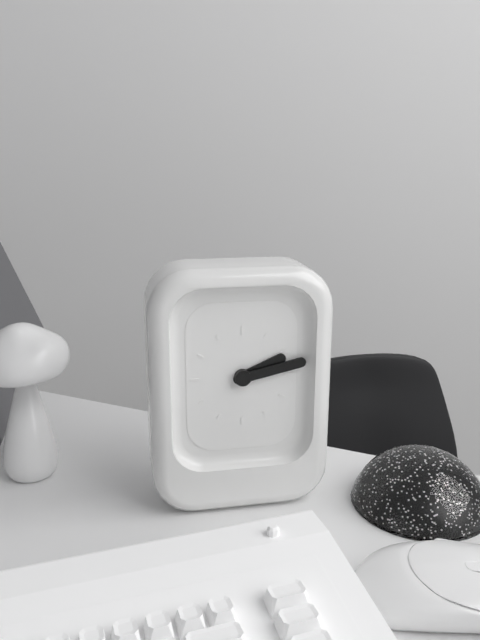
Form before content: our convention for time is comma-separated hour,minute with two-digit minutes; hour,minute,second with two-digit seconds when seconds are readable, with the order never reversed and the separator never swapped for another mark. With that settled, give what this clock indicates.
2,13
